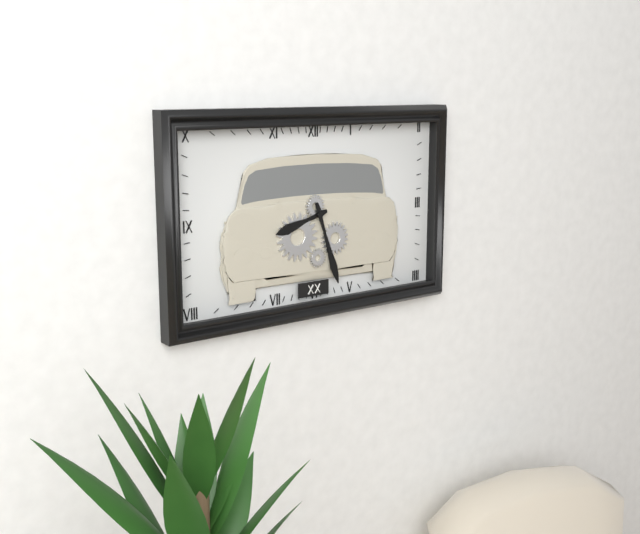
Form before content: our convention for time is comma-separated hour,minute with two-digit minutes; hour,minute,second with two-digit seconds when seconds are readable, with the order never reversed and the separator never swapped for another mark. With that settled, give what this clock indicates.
8,27
